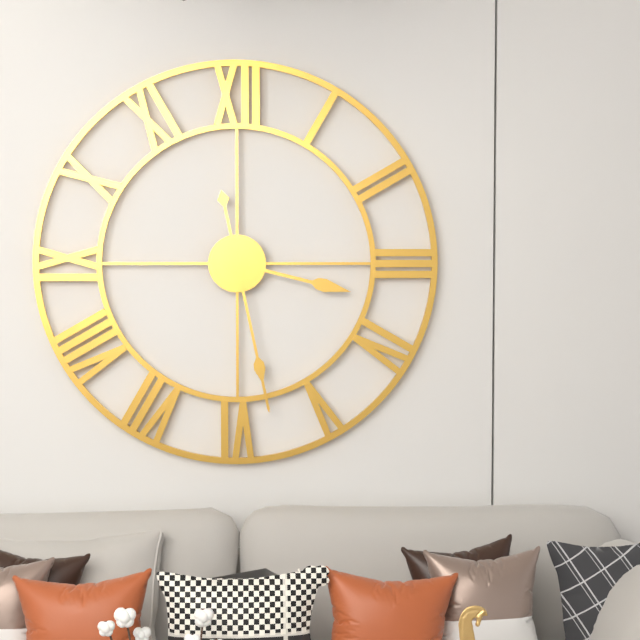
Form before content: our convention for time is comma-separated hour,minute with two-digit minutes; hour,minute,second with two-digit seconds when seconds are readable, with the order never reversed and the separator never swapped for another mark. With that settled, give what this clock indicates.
3,28
